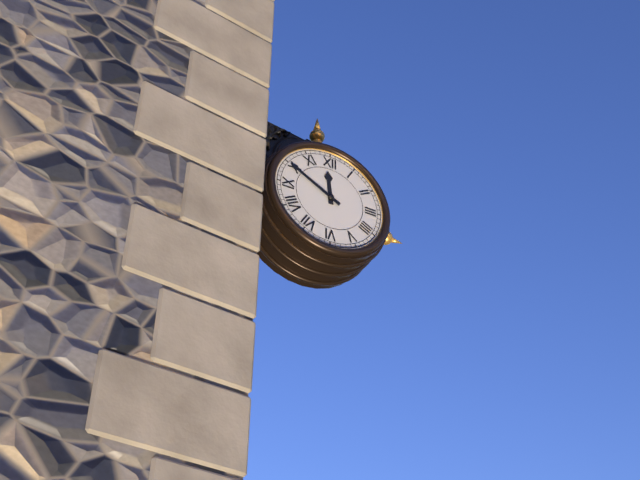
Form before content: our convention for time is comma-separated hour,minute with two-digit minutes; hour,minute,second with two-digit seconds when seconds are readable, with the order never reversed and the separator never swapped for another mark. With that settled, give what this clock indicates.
11,50
